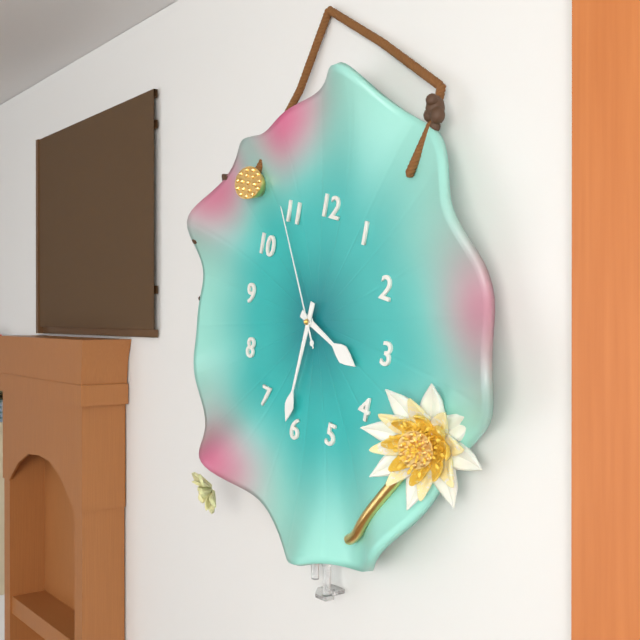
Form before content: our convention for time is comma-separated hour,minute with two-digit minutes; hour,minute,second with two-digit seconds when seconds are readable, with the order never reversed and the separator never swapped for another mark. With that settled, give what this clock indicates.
3,31,54
